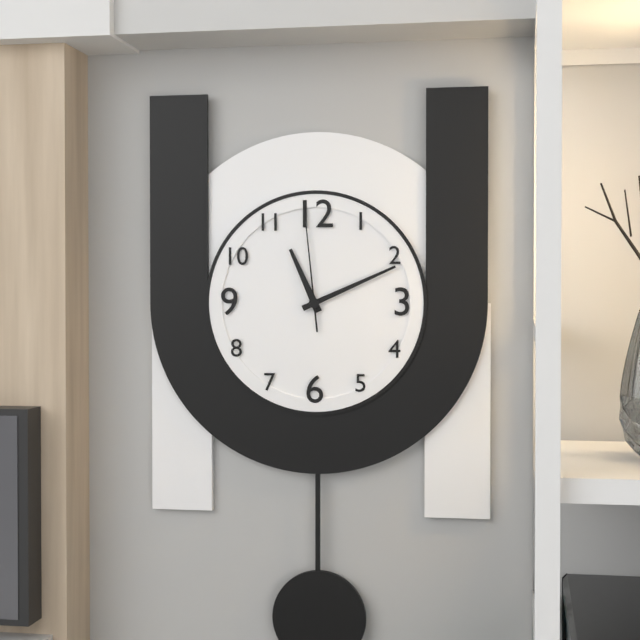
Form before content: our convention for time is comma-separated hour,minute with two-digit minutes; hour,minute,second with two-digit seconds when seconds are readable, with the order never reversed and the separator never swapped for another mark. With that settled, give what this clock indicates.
11,11,59
